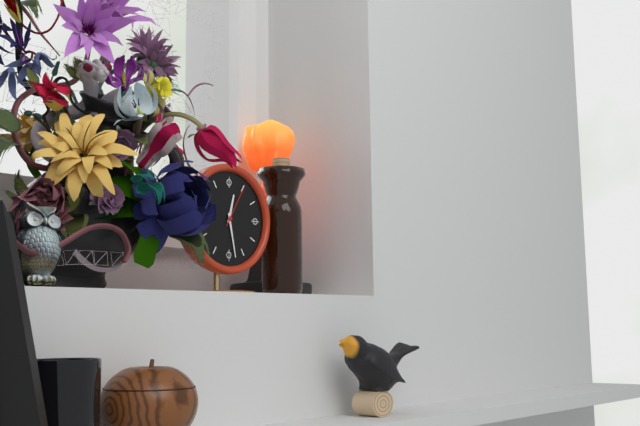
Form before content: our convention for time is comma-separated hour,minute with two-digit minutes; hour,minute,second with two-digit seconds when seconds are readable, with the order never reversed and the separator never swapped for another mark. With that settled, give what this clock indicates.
12,28
